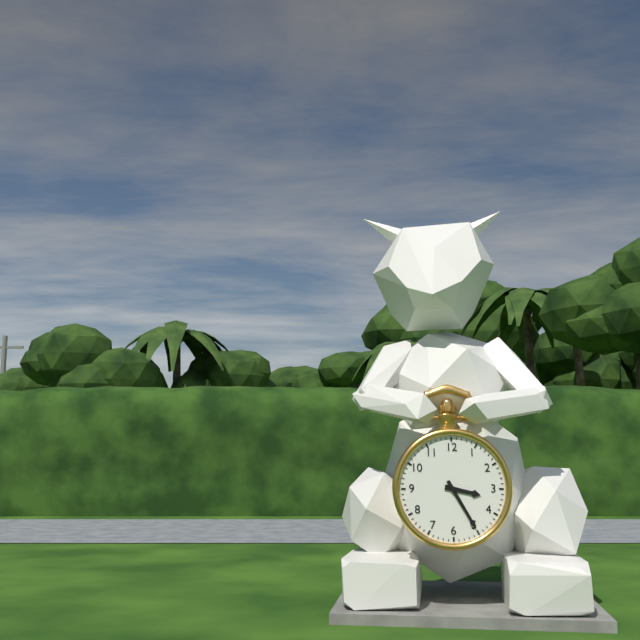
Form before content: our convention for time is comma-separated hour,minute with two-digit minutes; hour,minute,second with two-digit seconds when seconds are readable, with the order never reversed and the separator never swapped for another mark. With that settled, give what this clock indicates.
3,25
